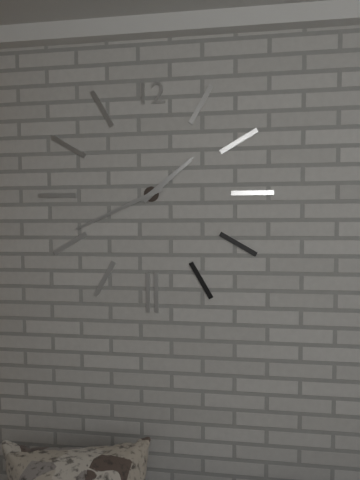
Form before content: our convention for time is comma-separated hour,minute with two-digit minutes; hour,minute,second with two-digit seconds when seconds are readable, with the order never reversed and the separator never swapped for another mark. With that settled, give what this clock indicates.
1,41
